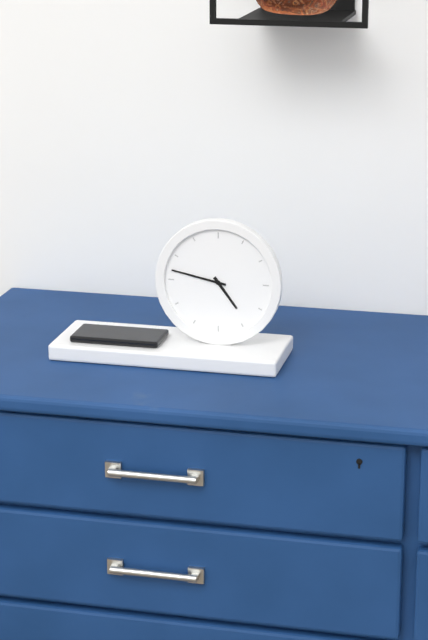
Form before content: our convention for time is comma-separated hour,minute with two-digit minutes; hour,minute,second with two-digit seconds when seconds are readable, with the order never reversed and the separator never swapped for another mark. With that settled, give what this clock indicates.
4,47
